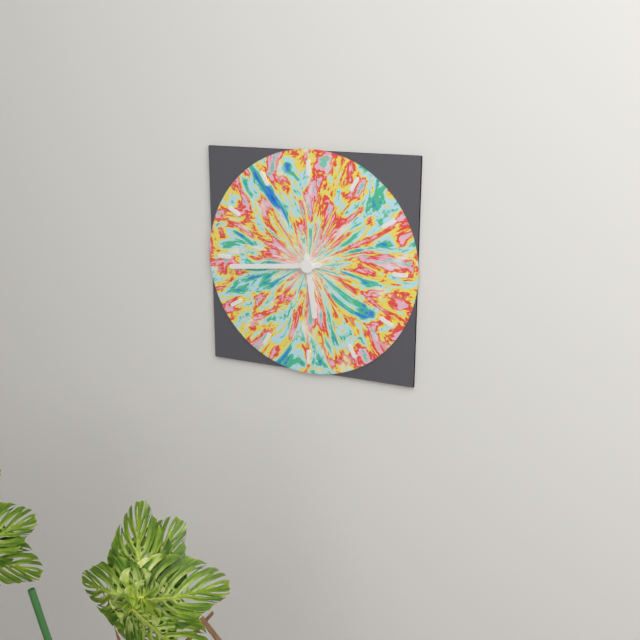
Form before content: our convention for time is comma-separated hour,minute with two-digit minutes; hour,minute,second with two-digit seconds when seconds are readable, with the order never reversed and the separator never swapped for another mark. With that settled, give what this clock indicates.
5,44
